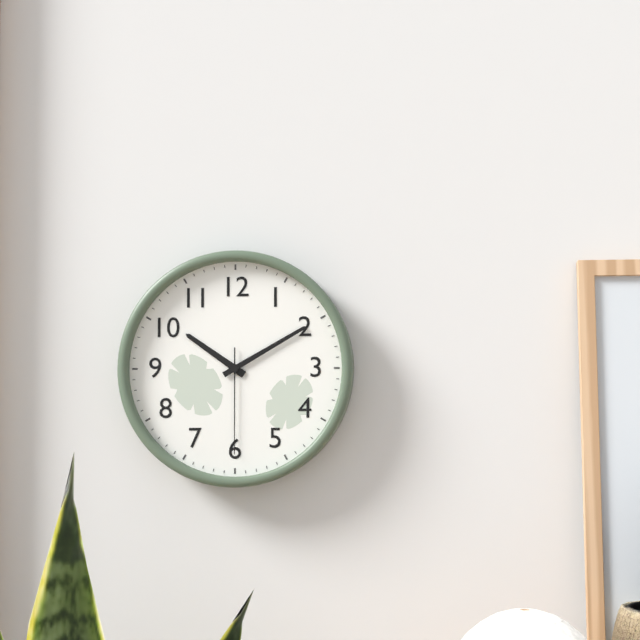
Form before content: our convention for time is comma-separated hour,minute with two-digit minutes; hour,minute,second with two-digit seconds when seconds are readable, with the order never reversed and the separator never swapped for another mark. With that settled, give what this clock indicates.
10,10,30
